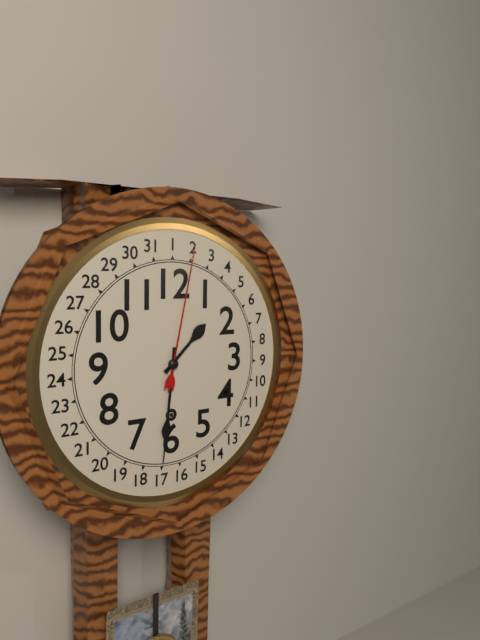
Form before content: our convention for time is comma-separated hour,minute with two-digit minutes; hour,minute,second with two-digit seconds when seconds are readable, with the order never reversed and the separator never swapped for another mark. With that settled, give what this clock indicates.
1,31
